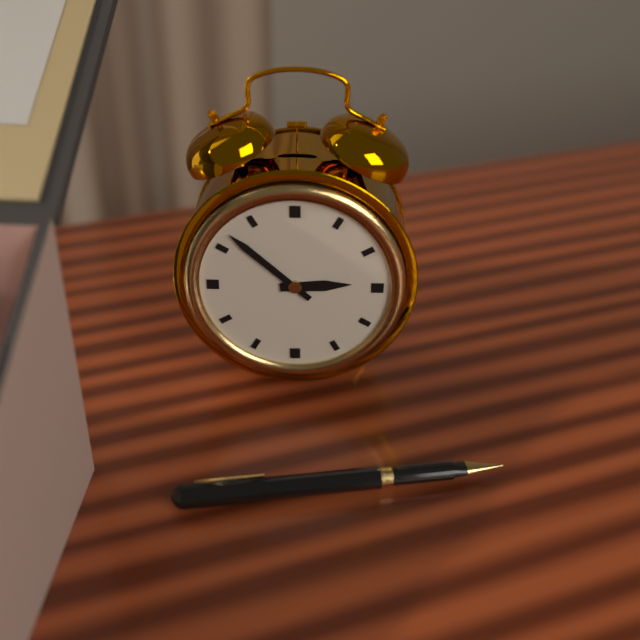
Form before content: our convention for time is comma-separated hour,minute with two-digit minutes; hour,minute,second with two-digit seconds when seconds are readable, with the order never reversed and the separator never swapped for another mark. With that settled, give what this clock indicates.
2,52
